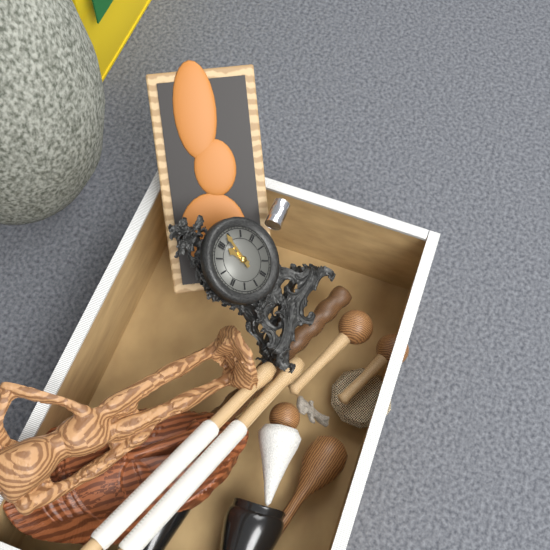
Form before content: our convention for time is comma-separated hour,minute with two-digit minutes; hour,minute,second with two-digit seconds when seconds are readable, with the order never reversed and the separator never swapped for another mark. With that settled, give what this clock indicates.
12,04
